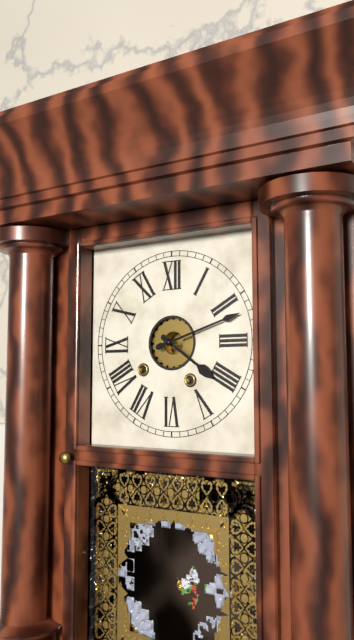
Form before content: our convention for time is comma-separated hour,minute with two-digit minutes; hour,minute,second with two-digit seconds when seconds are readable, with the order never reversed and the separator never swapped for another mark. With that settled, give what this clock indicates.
4,12
